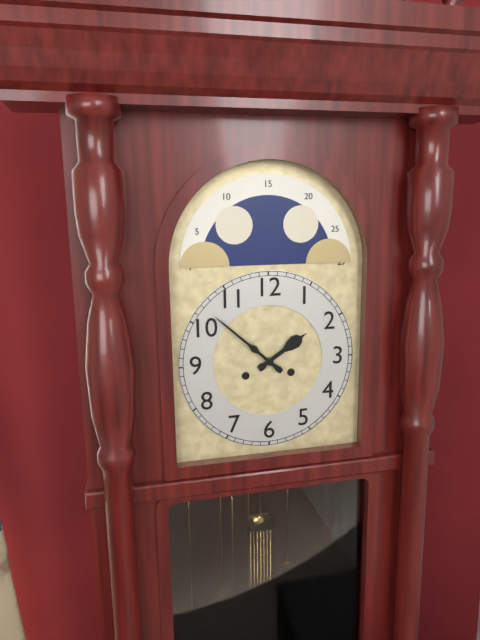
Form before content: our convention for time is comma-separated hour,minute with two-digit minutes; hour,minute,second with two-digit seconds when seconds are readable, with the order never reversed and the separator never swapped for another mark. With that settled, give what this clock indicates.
1,52
